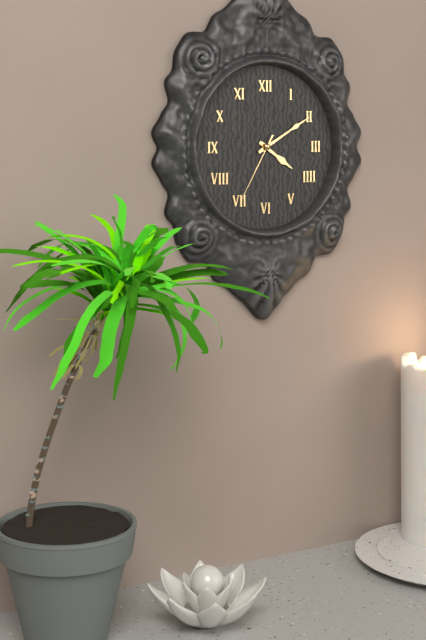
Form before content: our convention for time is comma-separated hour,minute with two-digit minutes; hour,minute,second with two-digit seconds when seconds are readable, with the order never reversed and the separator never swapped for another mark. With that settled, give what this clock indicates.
4,10,35
